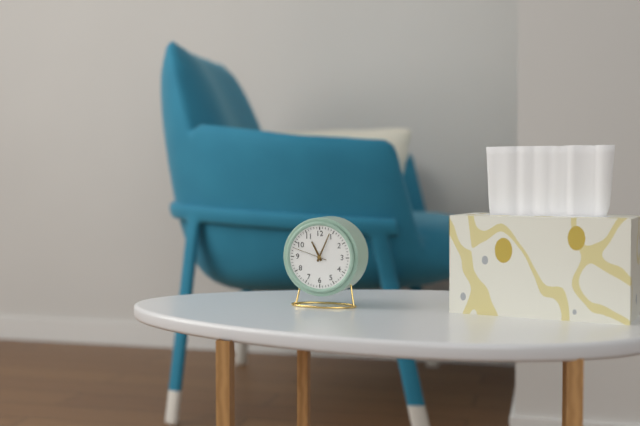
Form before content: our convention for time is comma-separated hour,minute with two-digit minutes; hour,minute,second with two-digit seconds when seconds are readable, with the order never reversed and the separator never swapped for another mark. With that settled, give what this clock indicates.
11,04
